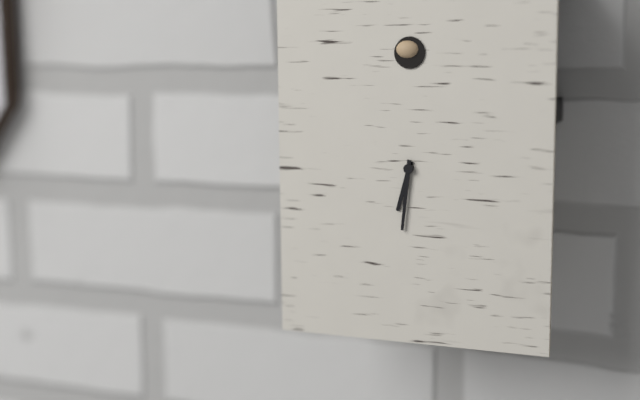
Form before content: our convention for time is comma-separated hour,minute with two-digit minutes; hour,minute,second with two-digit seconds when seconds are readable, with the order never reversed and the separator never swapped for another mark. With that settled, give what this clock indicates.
6,31
